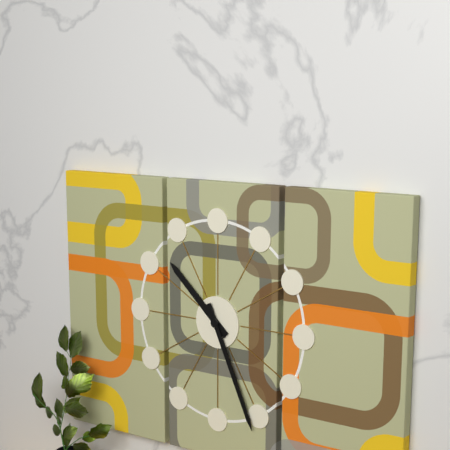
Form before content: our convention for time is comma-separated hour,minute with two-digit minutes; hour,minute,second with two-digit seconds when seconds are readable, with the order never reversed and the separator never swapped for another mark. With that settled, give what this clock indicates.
10,26
